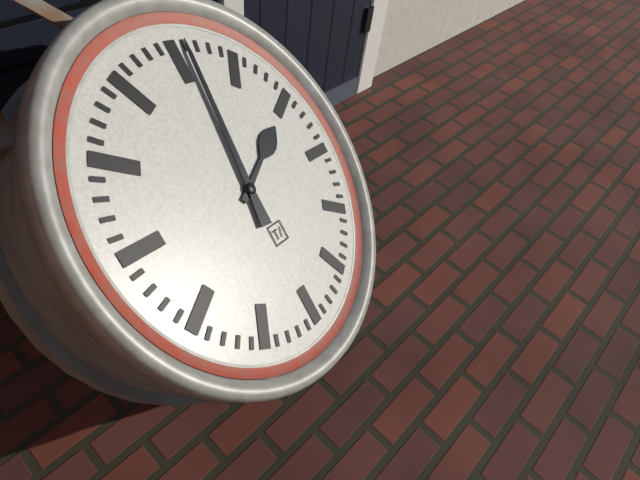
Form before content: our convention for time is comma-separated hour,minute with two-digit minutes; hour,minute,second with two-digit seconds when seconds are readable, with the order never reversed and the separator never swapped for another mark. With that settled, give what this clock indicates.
2,01
